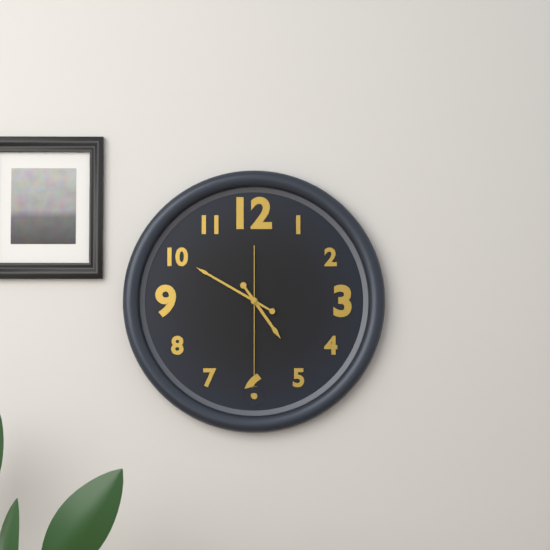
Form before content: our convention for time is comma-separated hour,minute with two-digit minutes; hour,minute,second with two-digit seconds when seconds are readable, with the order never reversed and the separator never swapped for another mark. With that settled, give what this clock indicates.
4,50,30
